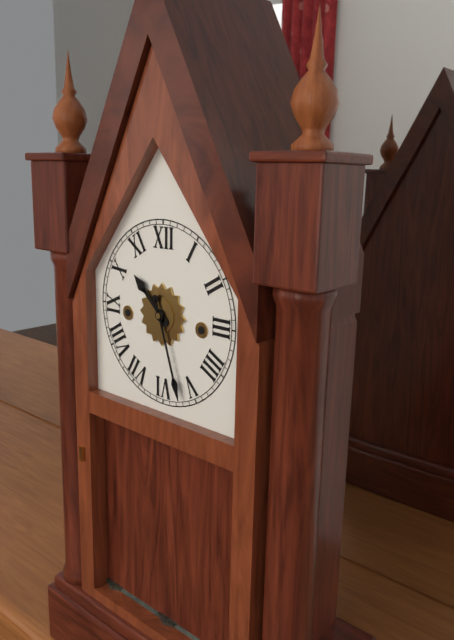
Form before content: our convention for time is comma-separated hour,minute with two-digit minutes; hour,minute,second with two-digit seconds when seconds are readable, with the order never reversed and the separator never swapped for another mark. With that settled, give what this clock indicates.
10,27
